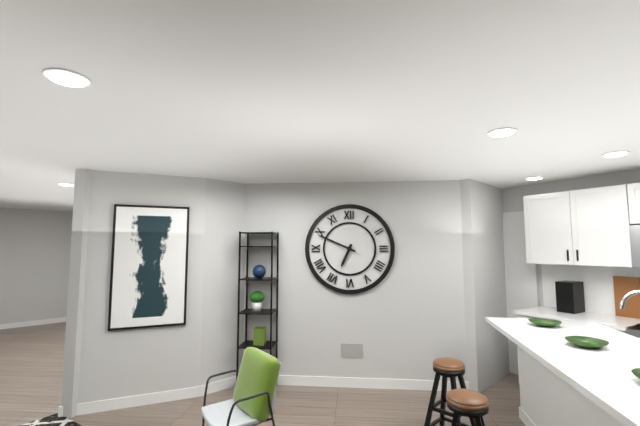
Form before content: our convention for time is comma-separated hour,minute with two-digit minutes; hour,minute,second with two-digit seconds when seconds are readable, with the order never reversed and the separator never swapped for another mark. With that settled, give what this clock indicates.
6,49
